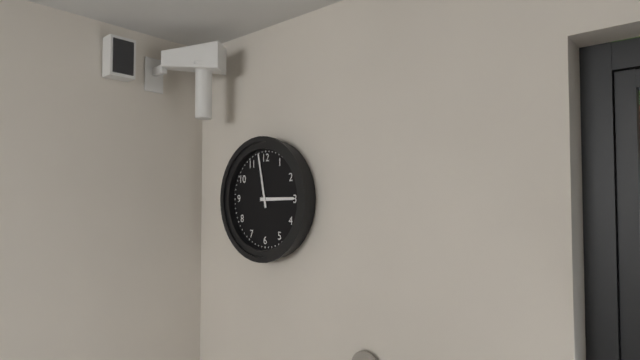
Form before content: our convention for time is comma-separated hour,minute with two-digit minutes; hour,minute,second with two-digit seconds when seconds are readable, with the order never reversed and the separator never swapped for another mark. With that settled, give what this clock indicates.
2,58
